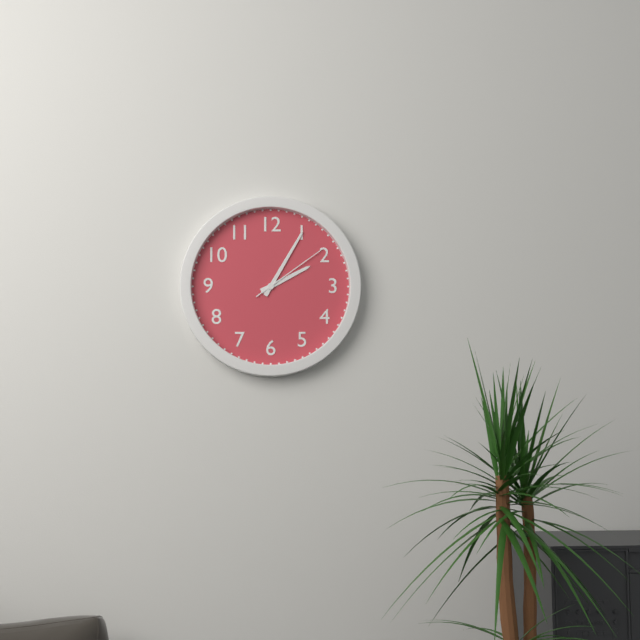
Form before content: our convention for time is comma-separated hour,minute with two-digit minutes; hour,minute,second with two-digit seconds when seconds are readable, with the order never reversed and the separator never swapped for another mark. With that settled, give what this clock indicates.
2,05,09
